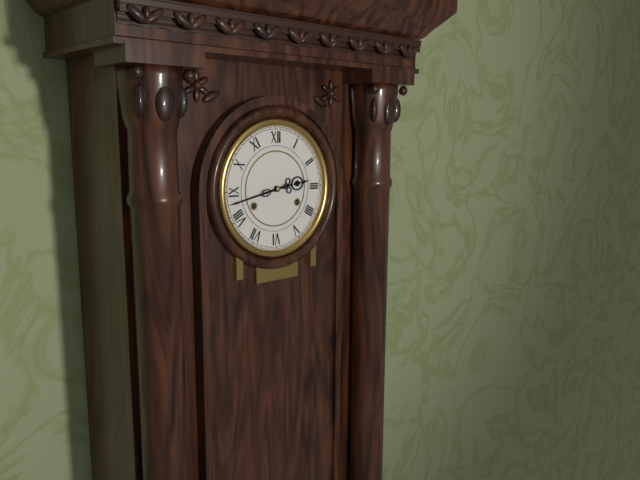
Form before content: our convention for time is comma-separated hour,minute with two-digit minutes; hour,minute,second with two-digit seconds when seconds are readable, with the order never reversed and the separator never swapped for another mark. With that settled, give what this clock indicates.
2,43
